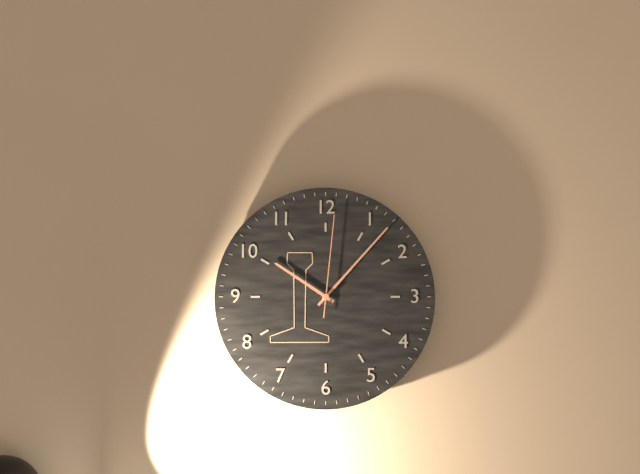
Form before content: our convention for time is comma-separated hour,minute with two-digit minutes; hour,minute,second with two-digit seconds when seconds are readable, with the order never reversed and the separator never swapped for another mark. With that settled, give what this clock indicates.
10,07,01
